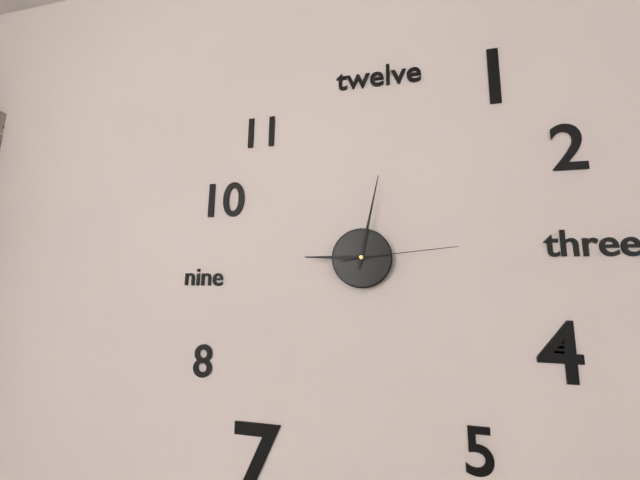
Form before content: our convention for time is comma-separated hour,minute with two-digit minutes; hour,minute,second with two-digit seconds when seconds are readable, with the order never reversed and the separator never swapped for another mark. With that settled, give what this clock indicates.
9,02,14
